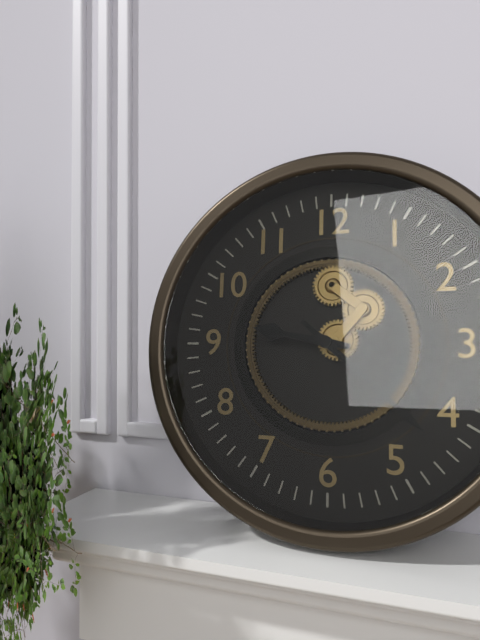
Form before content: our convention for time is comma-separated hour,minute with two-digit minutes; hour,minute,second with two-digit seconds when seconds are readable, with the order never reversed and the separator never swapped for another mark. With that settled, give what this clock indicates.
9,22
